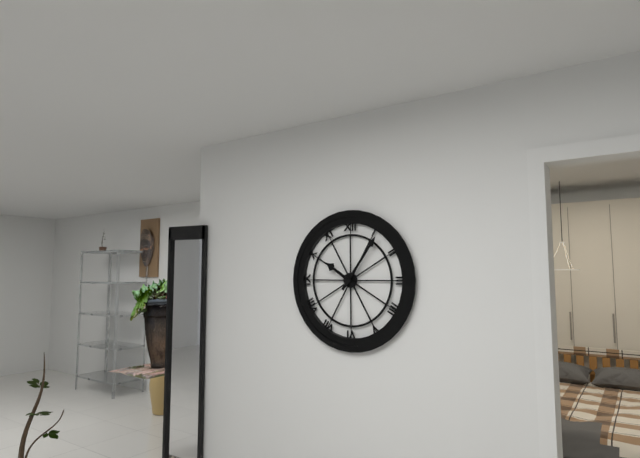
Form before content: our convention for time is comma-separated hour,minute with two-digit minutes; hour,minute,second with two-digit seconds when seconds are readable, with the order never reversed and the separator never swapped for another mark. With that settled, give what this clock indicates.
10,06
